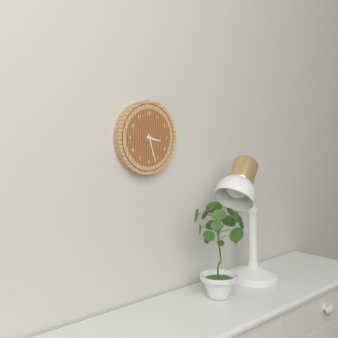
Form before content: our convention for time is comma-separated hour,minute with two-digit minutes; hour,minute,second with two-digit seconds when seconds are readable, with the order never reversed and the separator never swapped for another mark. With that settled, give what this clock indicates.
3,27
